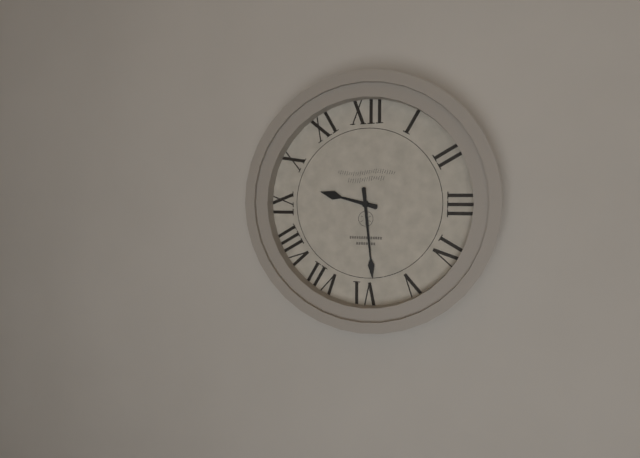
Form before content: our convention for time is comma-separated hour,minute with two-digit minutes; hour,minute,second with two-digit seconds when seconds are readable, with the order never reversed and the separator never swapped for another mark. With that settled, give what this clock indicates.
9,29
